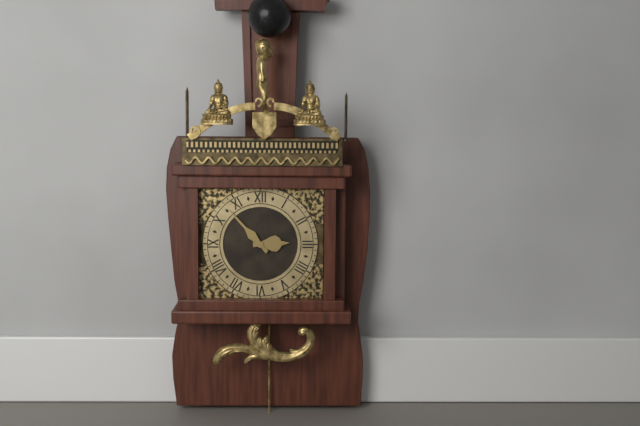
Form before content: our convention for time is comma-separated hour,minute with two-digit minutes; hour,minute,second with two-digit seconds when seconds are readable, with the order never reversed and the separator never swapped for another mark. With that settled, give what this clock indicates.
2,53
